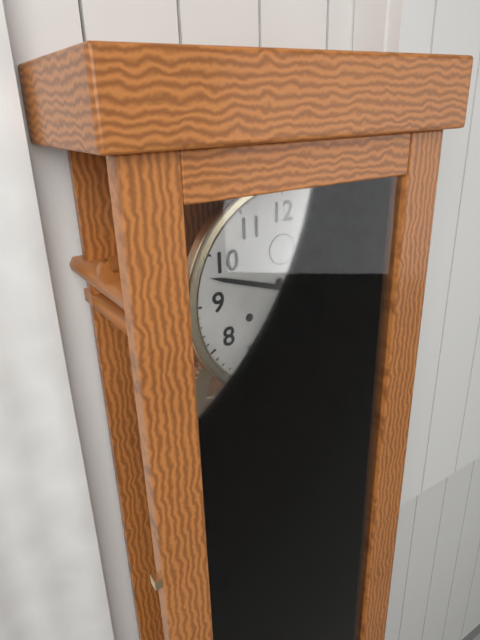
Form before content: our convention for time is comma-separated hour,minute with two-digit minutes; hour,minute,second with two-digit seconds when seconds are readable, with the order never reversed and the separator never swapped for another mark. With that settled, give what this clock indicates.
4,48
